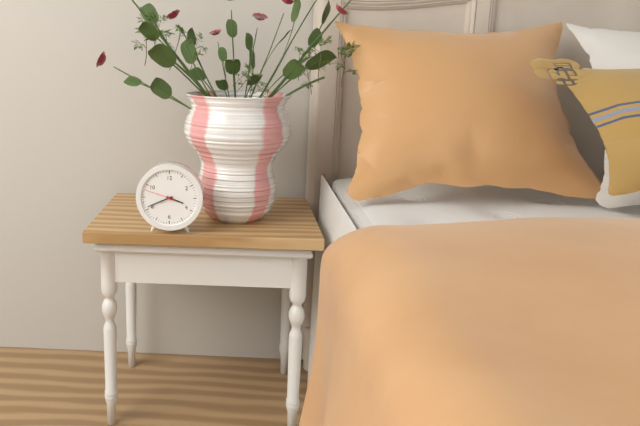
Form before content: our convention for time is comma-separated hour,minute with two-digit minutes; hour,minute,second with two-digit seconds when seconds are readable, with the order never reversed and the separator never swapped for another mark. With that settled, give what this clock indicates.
3,41
